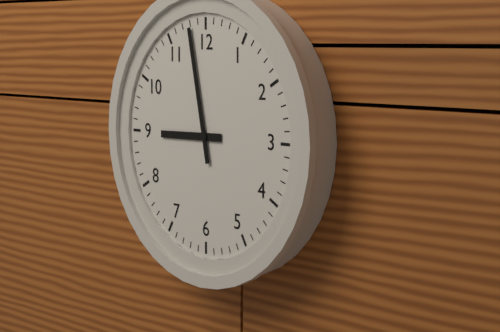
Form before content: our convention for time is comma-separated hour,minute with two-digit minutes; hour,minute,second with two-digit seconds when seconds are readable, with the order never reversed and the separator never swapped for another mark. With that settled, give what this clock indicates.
8,58
